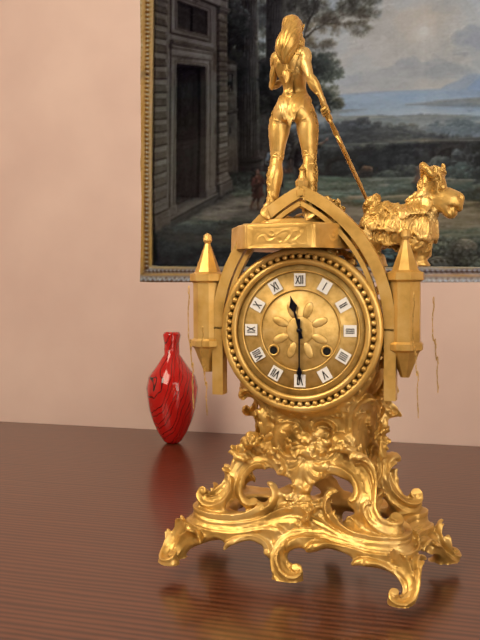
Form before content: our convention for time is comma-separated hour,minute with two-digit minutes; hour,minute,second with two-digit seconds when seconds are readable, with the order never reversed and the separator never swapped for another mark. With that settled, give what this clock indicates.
11,30
